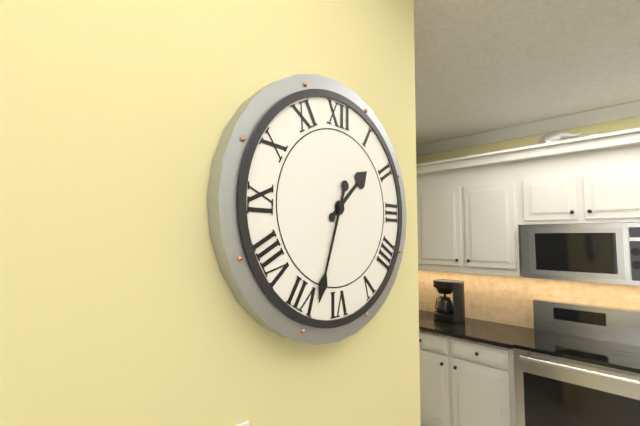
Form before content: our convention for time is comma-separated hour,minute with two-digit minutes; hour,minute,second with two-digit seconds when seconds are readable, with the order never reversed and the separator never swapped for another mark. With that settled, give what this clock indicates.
1,33
